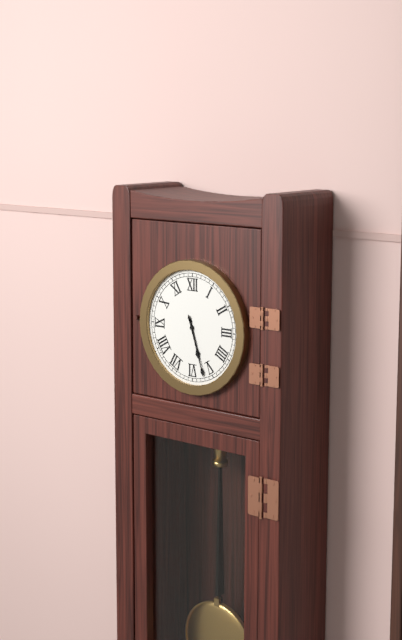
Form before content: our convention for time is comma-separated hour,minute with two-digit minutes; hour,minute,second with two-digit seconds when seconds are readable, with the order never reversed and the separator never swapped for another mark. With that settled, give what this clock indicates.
5,27
